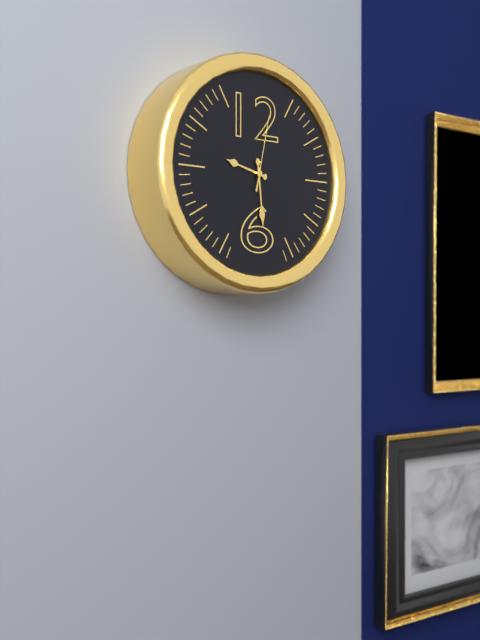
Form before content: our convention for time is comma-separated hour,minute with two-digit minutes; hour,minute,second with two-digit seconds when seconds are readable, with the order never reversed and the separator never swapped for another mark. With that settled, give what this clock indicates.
9,29,02
